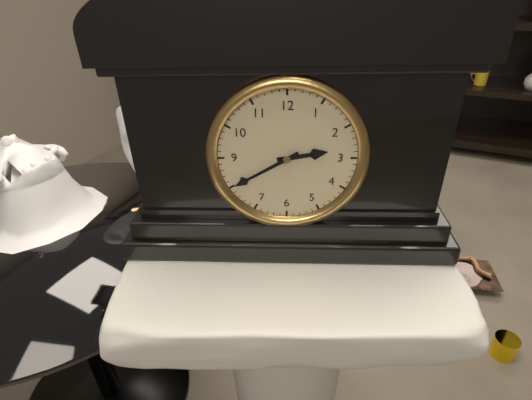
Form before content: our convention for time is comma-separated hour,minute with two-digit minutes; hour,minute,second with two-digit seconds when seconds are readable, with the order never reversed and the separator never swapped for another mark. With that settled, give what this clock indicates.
2,40
